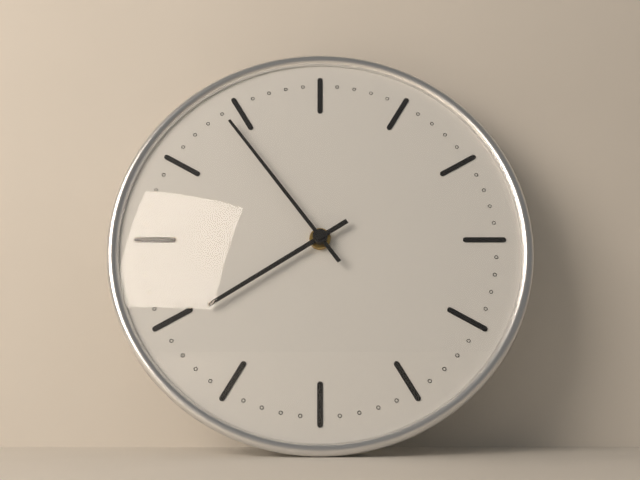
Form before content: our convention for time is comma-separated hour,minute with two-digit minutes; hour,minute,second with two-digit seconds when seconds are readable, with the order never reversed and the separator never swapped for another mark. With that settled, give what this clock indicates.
7,54
